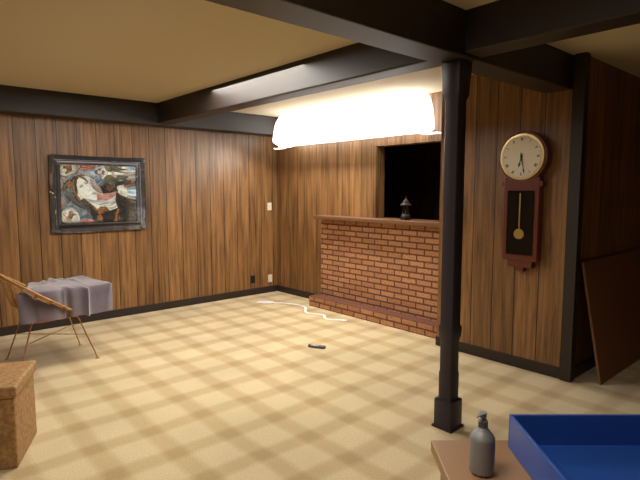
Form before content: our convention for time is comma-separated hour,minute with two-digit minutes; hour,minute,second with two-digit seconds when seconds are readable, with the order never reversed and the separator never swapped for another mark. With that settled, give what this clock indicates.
6,28
